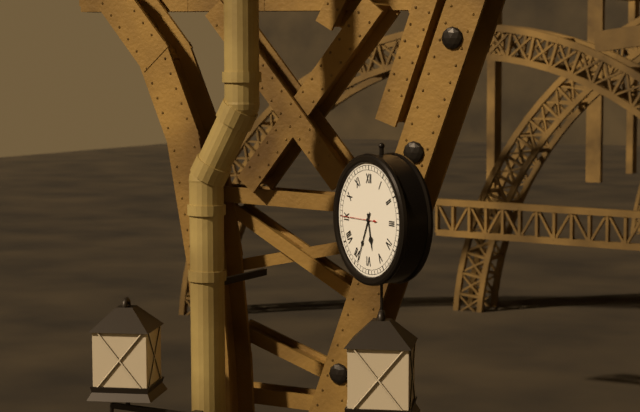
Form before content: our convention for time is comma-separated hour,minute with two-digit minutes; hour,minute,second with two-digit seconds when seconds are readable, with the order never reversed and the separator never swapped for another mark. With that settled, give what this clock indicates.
5,34
